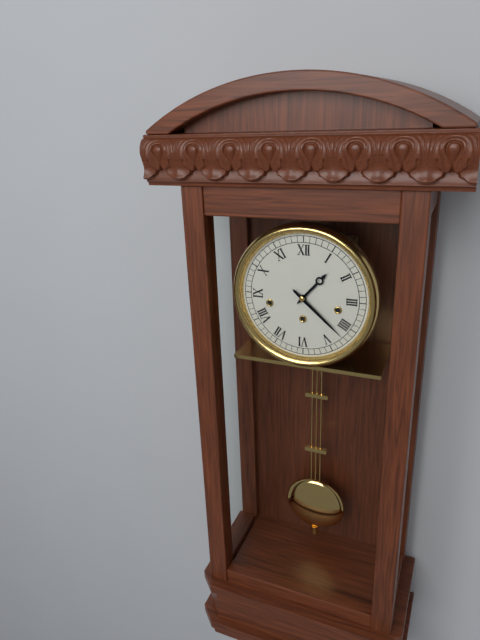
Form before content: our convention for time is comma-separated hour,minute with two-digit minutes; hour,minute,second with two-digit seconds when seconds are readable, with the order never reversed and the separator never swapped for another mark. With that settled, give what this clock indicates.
1,22
